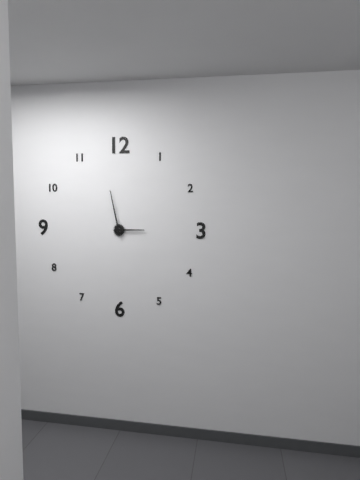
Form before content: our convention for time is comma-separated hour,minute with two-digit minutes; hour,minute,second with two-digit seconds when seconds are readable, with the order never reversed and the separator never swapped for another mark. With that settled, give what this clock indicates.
2,58
